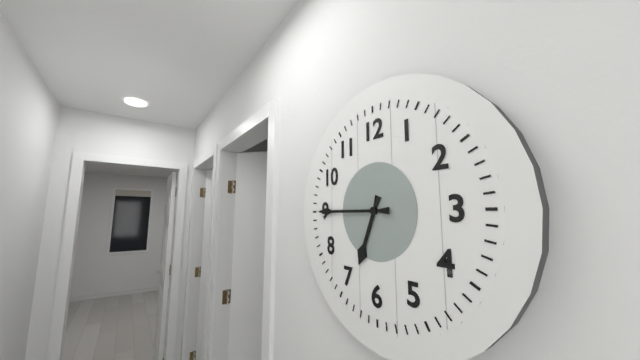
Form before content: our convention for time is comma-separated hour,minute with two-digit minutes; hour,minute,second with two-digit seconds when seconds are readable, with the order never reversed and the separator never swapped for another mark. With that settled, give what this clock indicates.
6,45
